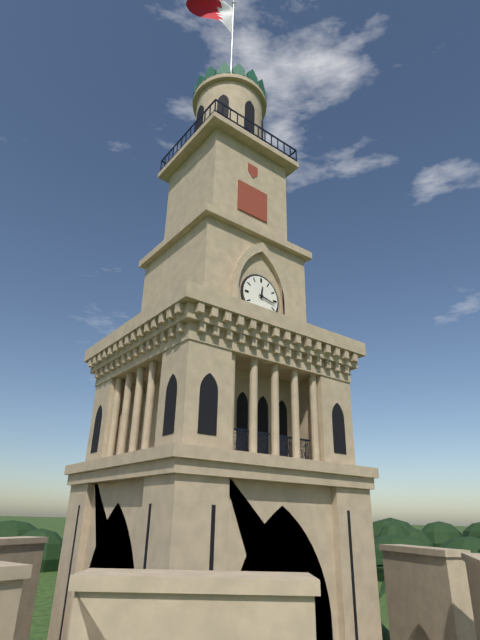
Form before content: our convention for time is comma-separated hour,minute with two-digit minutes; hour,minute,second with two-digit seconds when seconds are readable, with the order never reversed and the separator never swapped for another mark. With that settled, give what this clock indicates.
12,17
